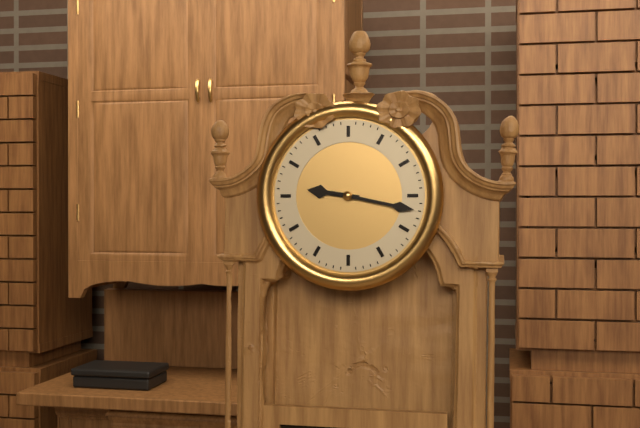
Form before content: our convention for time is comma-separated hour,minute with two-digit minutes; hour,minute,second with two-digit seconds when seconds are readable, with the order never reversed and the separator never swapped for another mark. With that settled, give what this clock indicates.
9,17
